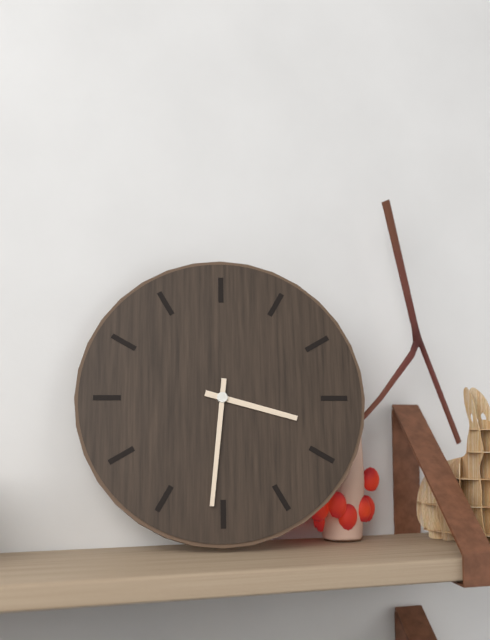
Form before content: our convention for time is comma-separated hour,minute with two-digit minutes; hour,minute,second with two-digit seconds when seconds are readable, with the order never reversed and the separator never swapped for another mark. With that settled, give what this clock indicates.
3,31
